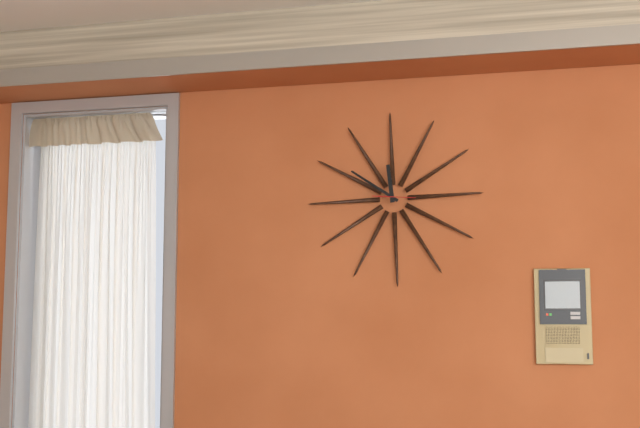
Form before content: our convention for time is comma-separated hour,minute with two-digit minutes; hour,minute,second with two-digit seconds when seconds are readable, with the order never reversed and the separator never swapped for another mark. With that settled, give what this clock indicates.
11,51
